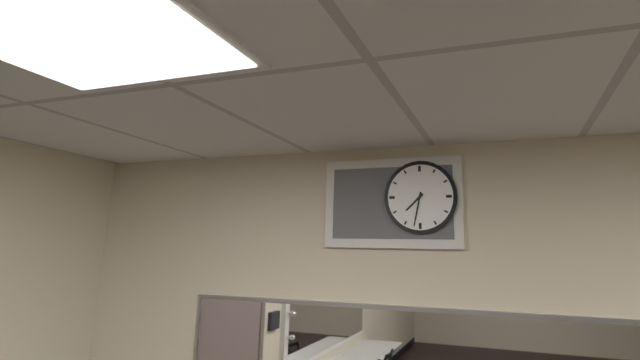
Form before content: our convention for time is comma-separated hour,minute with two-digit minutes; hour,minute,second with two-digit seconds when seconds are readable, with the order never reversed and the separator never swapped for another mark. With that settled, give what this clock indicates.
7,32
